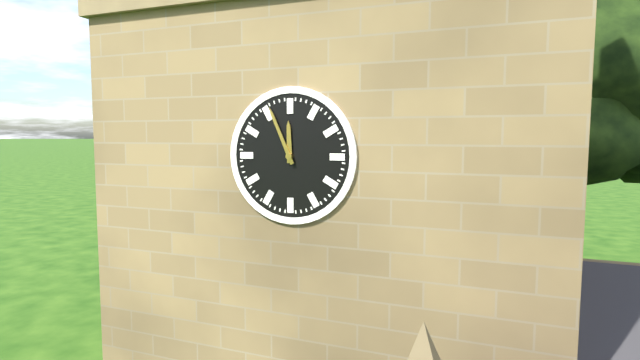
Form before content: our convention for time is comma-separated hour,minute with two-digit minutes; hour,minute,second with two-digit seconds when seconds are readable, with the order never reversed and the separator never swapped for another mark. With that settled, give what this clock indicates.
11,56
